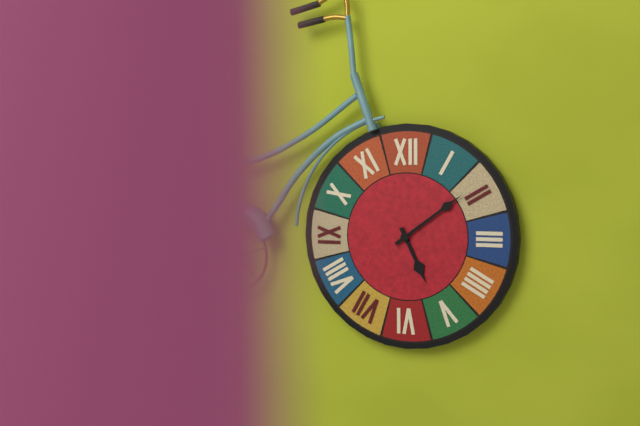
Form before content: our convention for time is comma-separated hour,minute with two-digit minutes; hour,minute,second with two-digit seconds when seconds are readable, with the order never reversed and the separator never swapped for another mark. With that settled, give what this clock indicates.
5,09
